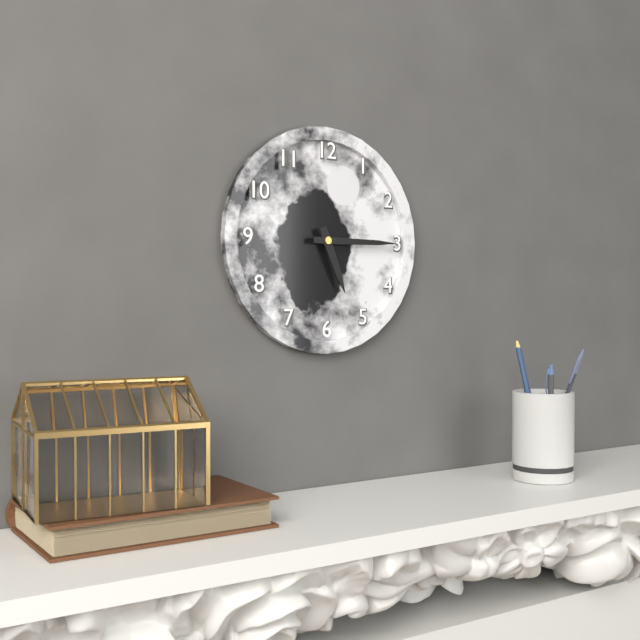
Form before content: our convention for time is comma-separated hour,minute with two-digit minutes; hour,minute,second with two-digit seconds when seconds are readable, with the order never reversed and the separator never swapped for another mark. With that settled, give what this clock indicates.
5,15
